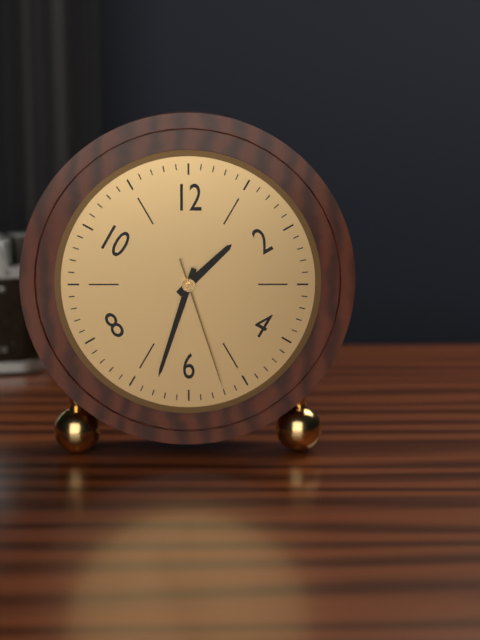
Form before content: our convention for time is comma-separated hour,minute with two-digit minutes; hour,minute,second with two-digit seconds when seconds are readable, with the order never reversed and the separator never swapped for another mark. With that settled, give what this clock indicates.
1,33,27
